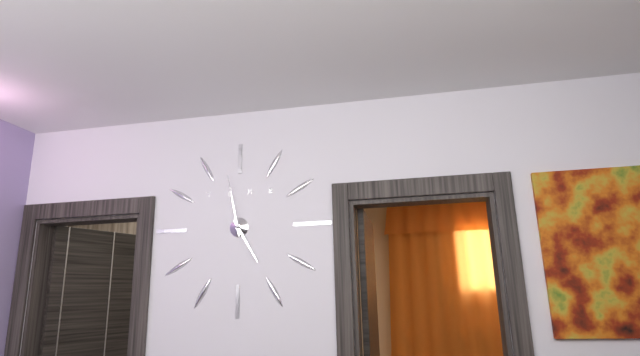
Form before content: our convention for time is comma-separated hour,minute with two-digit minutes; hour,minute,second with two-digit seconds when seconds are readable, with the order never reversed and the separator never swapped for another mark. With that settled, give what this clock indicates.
4,58
